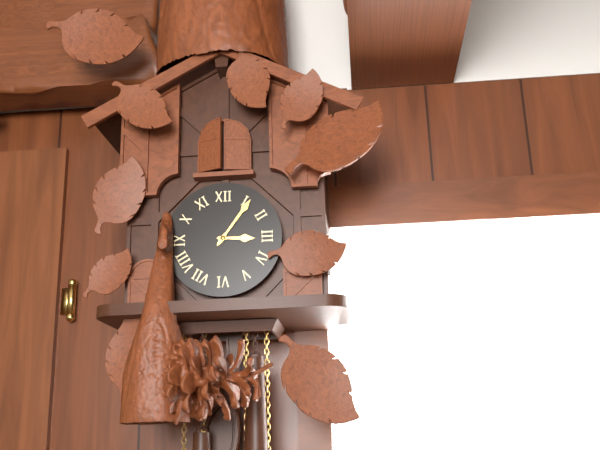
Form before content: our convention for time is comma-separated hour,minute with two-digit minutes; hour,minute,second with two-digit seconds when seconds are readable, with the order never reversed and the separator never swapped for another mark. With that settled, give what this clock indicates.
3,06
